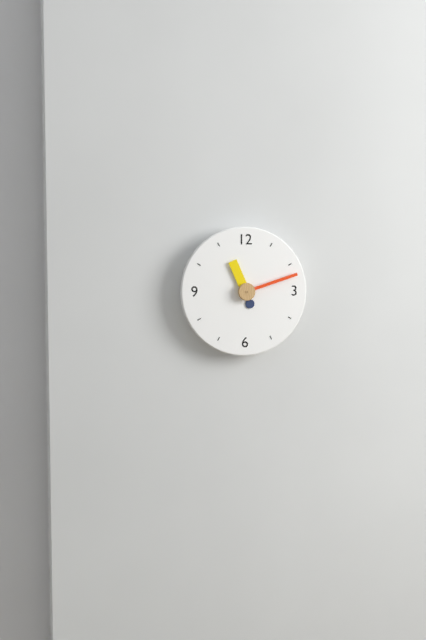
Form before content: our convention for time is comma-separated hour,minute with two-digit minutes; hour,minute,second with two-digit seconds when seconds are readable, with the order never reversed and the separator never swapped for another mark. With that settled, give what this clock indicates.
11,12
